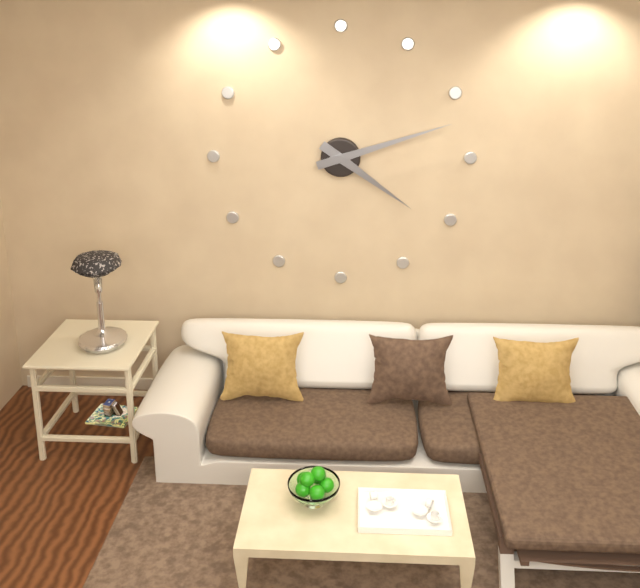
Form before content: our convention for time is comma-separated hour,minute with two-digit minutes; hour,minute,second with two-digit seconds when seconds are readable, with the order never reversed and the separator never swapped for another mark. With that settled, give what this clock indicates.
4,12
